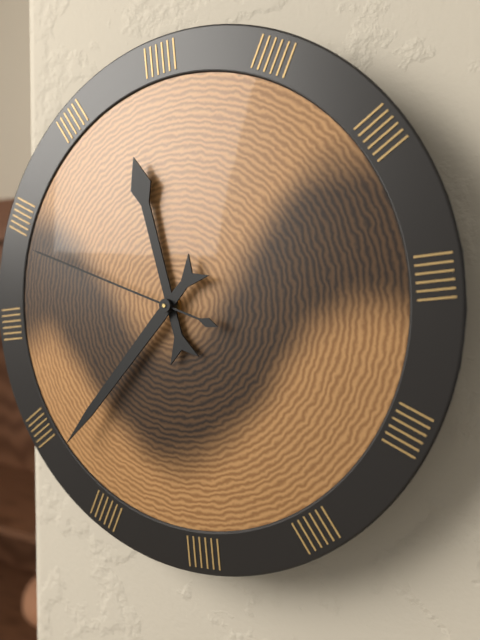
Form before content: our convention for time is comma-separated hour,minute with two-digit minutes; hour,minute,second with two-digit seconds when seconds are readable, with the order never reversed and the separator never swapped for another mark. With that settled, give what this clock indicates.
11,38,49
